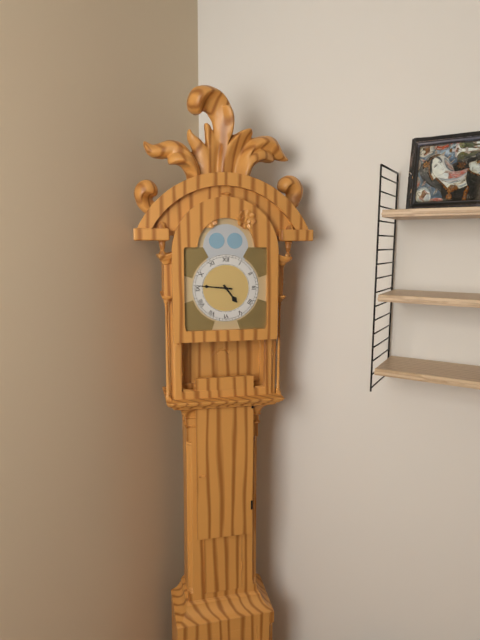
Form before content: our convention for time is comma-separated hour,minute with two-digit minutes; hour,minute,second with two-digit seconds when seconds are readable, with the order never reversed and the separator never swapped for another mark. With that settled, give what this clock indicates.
4,46
